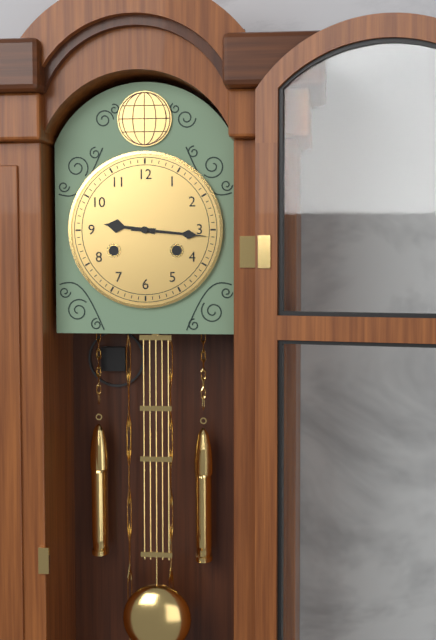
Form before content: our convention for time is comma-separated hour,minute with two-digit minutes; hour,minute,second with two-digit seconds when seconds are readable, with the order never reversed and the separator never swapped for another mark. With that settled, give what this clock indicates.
9,16
